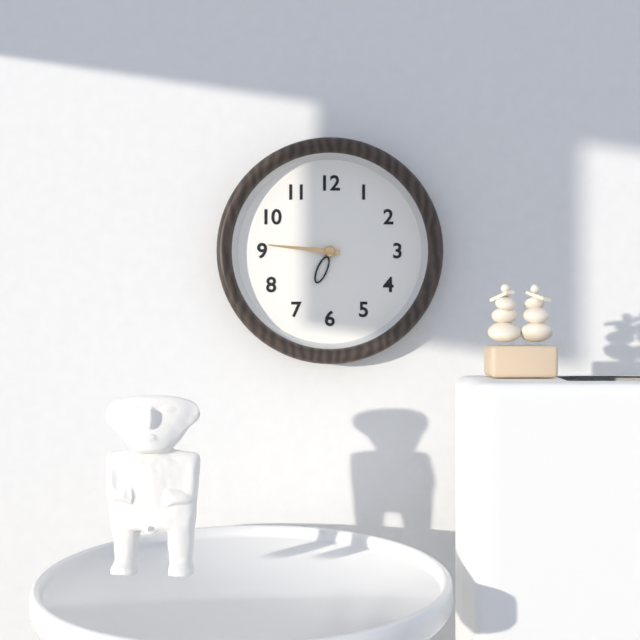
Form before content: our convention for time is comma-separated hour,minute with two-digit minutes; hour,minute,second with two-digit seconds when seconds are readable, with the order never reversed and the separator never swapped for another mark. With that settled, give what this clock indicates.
6,46
